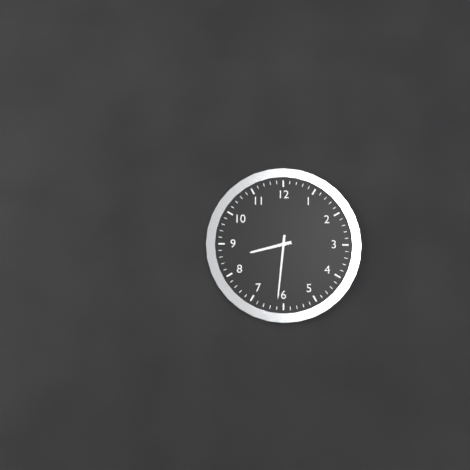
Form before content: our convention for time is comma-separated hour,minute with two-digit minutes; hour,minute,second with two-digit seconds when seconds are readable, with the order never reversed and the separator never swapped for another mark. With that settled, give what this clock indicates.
8,31
